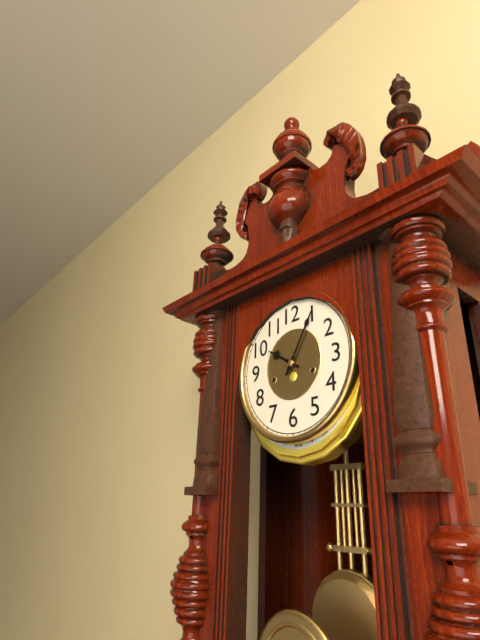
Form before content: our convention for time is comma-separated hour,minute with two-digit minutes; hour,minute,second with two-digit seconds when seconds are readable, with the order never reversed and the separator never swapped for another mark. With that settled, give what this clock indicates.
10,05
